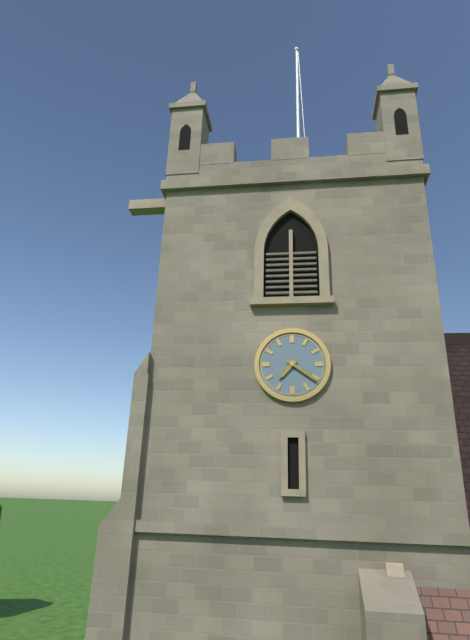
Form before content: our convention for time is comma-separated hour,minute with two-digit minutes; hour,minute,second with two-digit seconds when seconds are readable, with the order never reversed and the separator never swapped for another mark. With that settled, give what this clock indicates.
7,21
